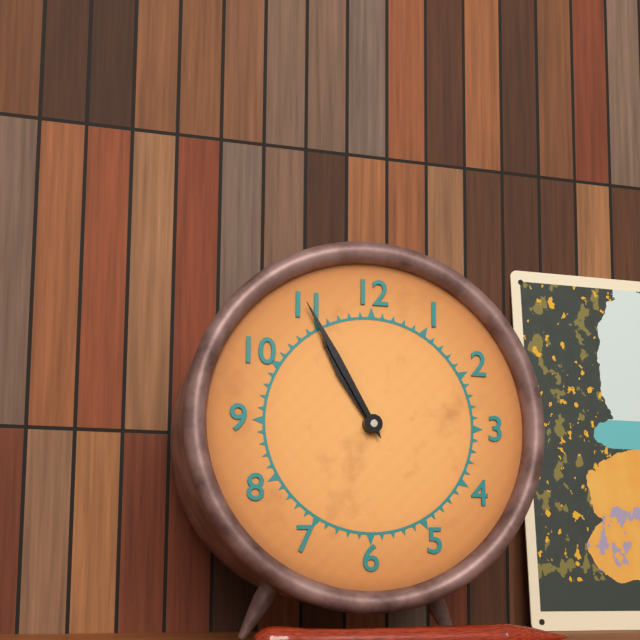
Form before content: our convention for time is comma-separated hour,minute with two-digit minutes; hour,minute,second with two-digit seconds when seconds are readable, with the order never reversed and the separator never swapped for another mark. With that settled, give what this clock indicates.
10,55
